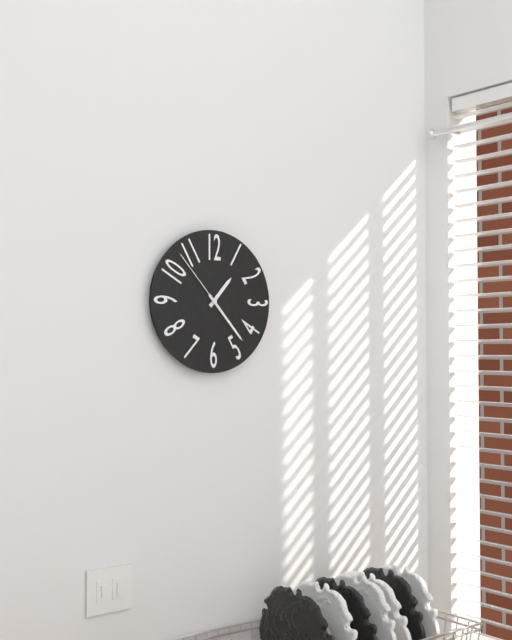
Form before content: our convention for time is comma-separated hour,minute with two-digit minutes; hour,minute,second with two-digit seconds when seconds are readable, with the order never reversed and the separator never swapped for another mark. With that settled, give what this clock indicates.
1,23,53
